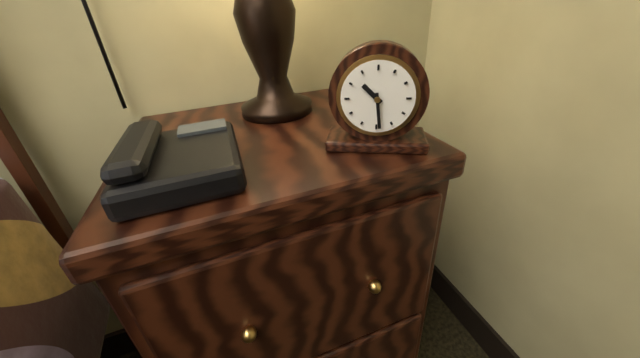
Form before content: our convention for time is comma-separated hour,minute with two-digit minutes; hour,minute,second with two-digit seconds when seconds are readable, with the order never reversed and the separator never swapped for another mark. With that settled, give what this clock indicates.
10,29
